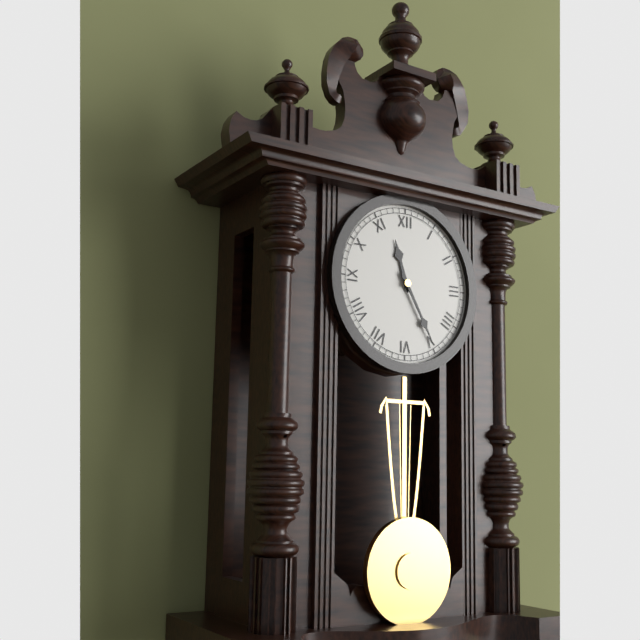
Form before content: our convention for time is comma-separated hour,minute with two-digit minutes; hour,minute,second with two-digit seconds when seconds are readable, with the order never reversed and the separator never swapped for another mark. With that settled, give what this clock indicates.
11,25
